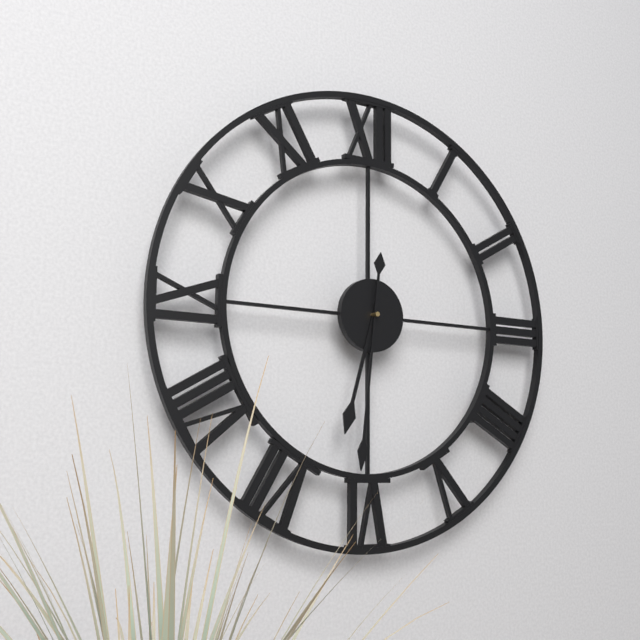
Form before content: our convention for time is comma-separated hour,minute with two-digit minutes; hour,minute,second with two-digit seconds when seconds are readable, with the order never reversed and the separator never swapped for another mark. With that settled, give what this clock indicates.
6,31
